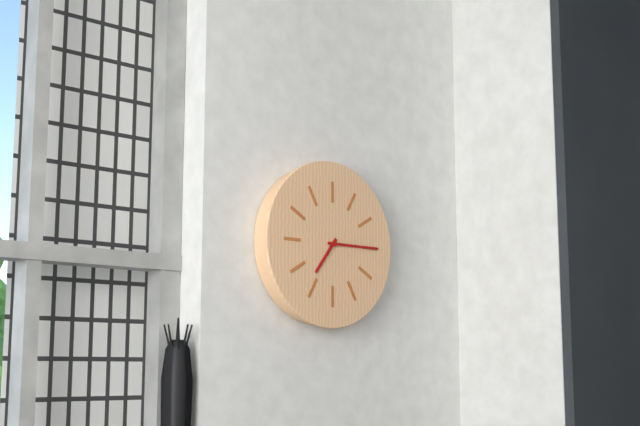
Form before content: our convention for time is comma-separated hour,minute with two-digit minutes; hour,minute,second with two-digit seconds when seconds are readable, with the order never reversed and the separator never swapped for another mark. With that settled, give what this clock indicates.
7,15
